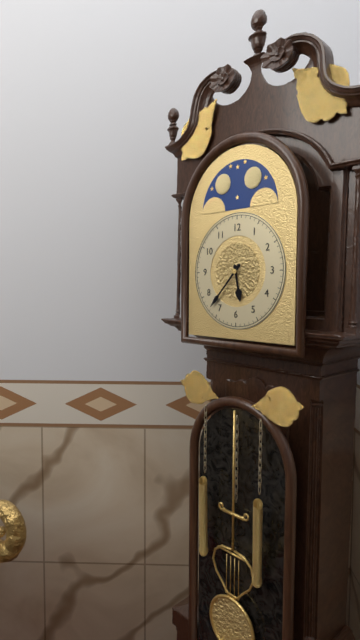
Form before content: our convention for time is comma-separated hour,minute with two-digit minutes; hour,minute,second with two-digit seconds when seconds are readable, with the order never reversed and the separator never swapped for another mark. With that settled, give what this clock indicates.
5,37
